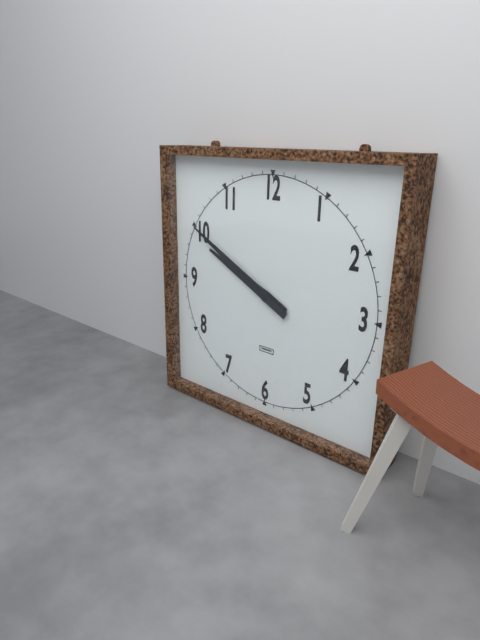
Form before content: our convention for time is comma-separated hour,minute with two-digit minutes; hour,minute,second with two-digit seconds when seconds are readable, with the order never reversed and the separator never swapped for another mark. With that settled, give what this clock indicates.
9,50
